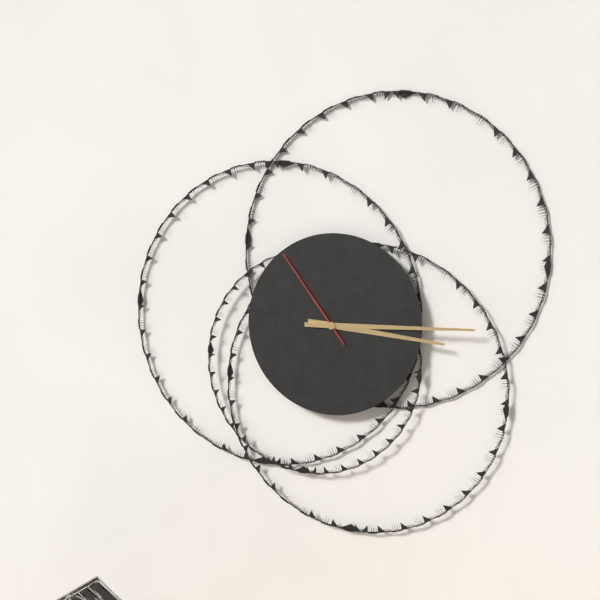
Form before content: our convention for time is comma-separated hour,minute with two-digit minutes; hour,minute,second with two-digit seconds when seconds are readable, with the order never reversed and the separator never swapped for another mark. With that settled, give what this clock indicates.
3,15,54
